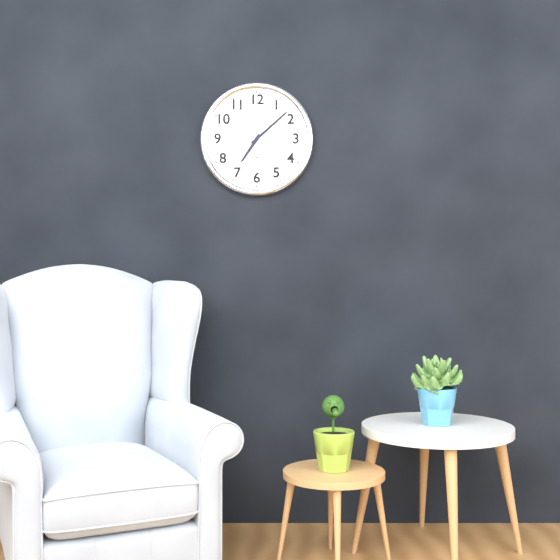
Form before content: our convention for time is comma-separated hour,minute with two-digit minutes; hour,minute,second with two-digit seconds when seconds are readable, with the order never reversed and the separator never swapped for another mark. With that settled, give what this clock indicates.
7,08
